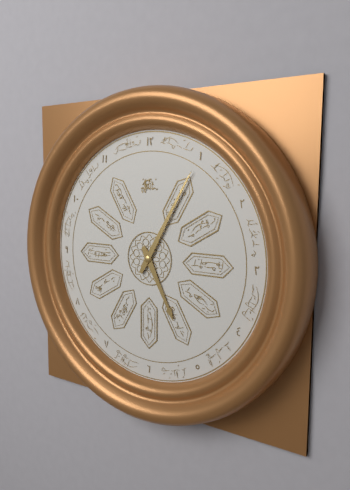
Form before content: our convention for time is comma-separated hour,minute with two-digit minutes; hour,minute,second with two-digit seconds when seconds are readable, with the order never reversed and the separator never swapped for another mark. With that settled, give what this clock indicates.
5,05
